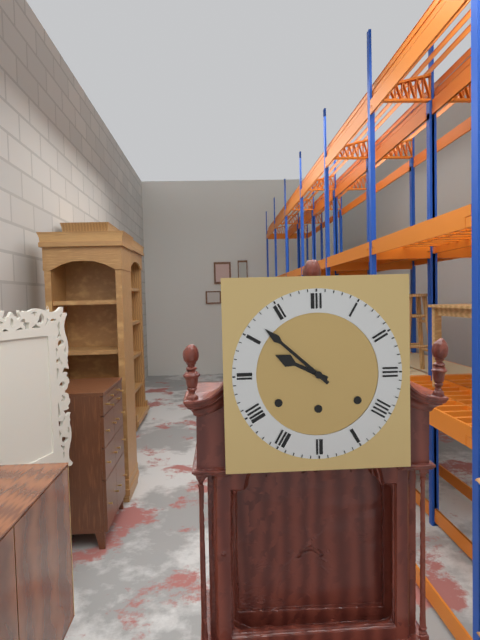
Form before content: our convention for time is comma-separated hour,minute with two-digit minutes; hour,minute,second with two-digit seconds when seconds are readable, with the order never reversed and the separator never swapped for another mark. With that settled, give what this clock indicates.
9,52
